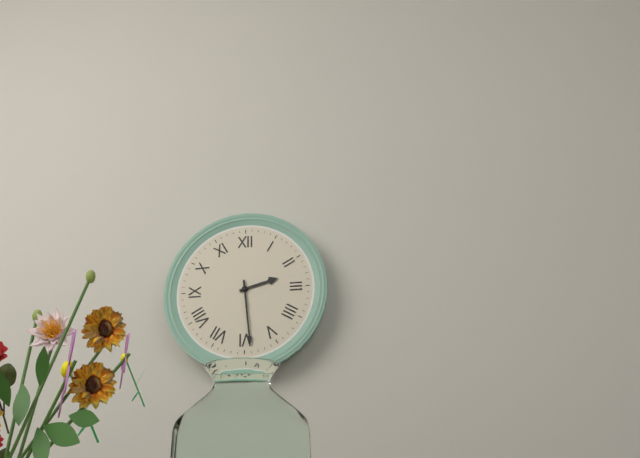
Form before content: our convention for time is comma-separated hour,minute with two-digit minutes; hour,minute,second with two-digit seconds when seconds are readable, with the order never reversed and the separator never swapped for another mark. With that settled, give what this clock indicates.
2,29
